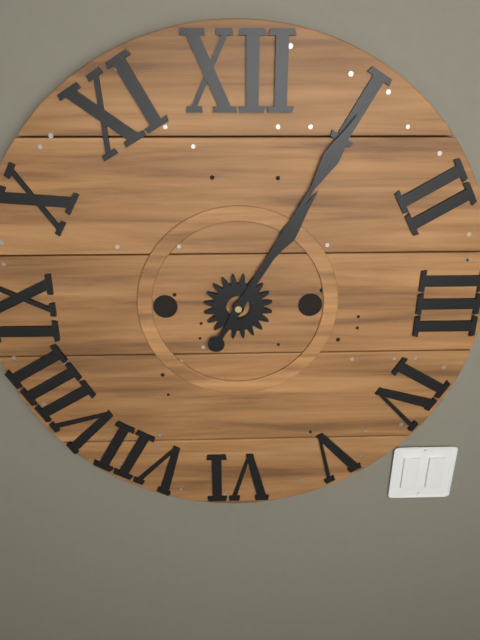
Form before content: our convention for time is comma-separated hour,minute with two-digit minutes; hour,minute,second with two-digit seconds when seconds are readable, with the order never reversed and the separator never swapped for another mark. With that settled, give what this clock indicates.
1,05
